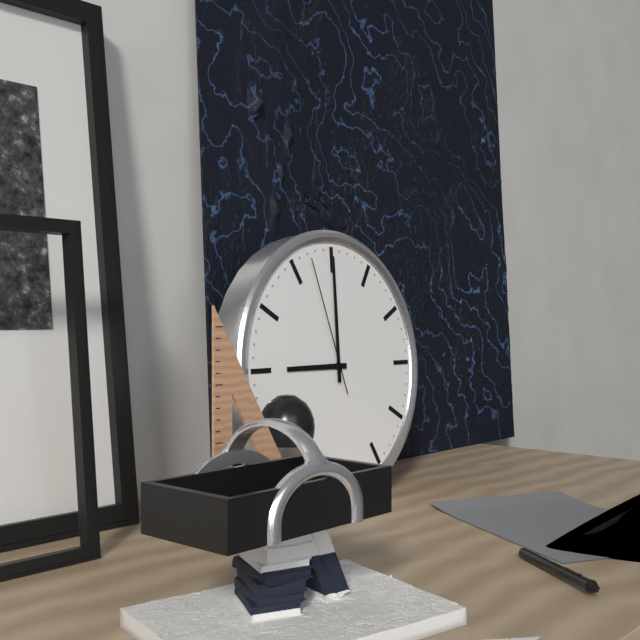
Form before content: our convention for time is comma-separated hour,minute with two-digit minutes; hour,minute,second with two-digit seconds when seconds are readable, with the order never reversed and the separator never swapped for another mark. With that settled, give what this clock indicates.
9,00,57
